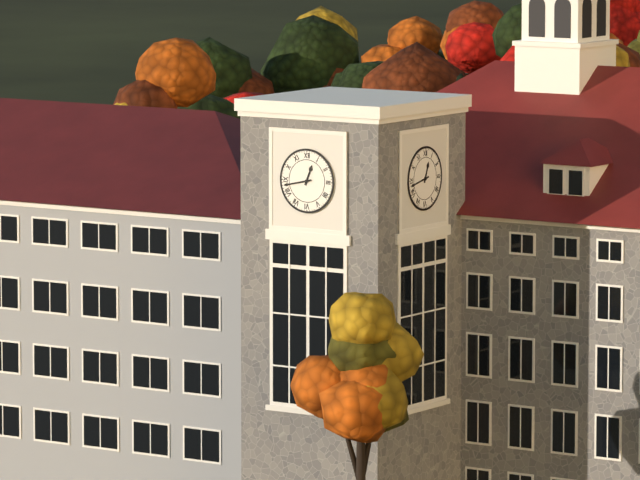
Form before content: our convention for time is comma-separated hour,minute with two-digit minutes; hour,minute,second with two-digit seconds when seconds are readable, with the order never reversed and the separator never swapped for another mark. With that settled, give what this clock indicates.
12,43
